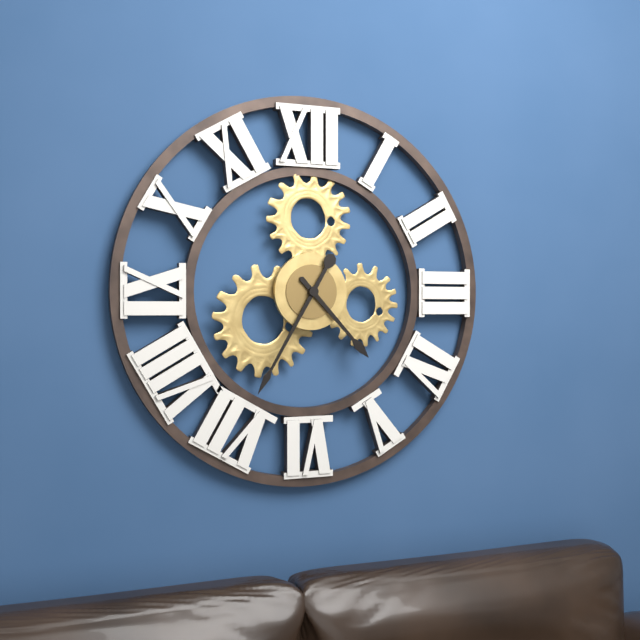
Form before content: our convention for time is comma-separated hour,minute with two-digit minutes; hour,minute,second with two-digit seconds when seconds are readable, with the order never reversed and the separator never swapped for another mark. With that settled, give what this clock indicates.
4,35
